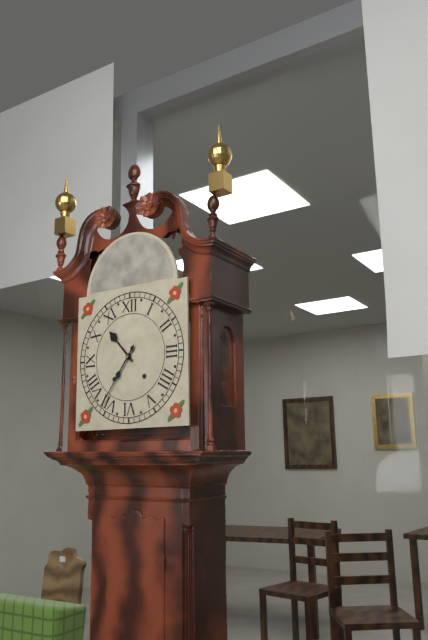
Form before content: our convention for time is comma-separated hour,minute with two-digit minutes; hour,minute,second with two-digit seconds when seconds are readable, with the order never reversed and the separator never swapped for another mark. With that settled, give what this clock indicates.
10,36
